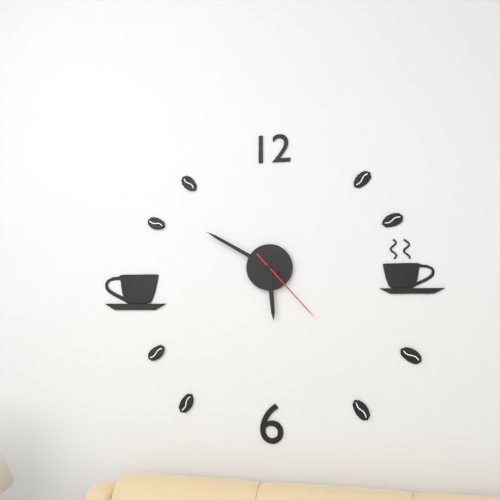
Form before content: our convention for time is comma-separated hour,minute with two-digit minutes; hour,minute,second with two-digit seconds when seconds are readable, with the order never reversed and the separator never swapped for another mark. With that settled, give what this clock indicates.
5,50,23
